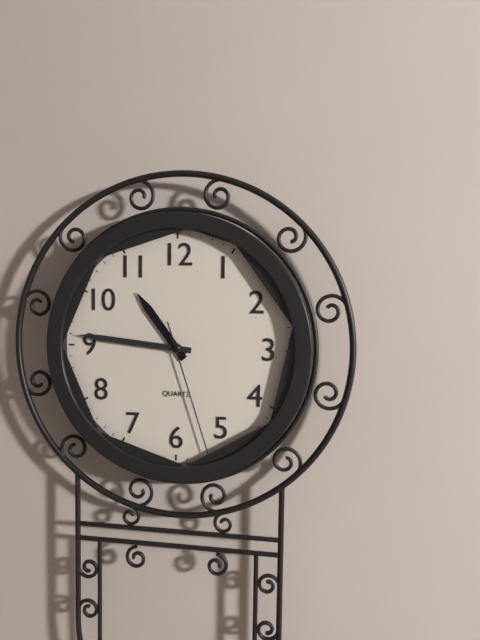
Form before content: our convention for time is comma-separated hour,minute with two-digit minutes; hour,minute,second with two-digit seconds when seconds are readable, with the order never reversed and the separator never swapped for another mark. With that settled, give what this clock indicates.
10,46,27
